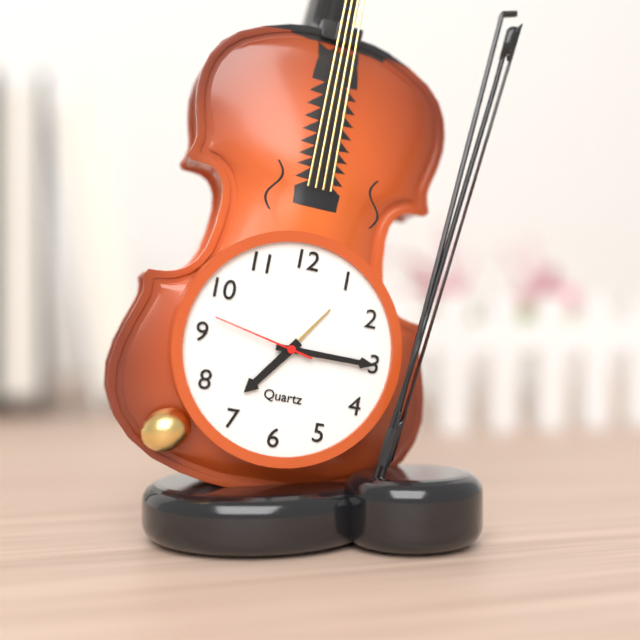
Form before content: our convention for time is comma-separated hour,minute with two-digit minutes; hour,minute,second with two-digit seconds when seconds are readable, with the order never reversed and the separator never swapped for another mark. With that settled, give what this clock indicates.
7,15,47
